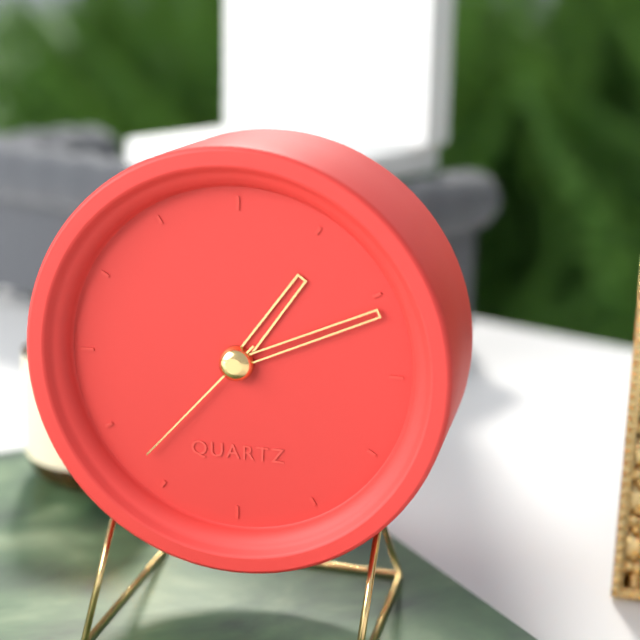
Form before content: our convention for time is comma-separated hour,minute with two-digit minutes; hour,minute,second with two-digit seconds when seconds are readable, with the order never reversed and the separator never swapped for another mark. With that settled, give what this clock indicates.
1,11,37
